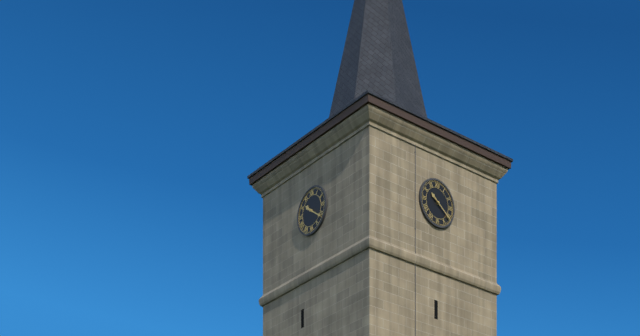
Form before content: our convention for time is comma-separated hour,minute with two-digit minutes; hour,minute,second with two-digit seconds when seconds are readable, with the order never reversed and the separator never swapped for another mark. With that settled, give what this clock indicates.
10,21
